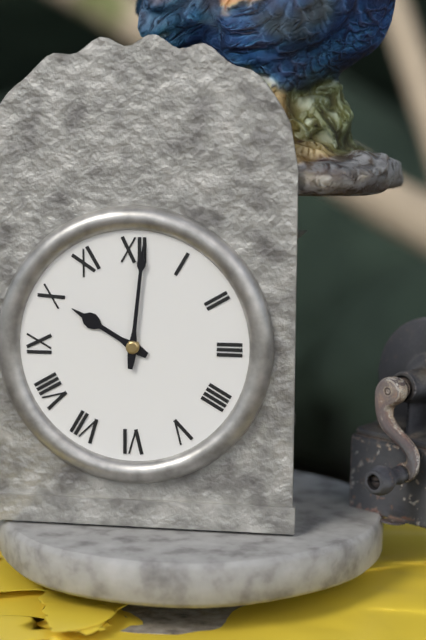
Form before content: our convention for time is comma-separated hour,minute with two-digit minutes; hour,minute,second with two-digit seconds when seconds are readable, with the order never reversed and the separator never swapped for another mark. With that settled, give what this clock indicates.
10,01
